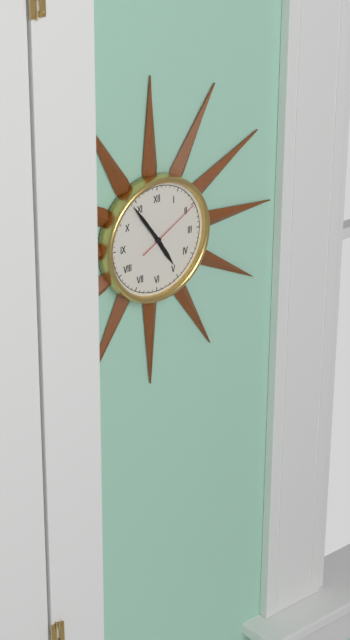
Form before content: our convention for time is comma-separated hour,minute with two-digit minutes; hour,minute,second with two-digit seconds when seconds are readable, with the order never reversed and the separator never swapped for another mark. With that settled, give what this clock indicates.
4,54,10
